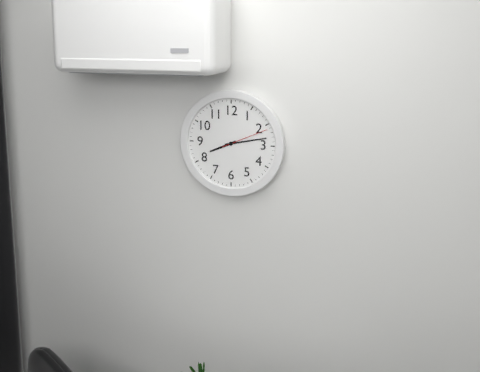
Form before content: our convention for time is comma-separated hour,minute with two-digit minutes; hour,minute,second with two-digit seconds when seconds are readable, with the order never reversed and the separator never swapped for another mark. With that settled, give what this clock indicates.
8,13
